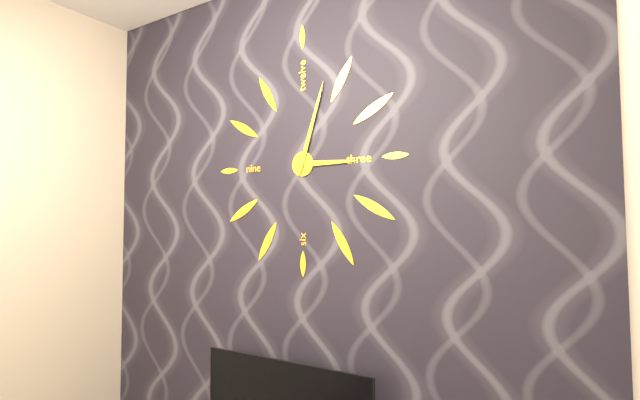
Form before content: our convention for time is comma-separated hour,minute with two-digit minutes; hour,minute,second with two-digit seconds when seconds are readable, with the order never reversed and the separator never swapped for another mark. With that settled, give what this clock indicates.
3,03
